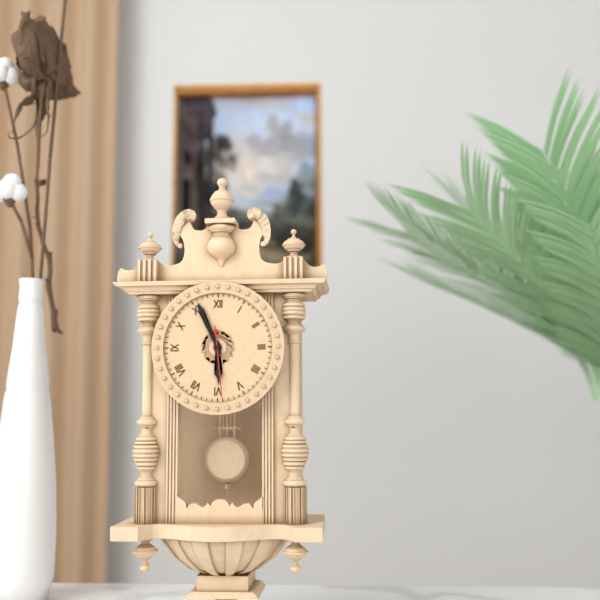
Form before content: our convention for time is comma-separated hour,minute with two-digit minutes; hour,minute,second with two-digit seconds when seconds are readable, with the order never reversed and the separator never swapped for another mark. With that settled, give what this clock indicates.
5,56,29
